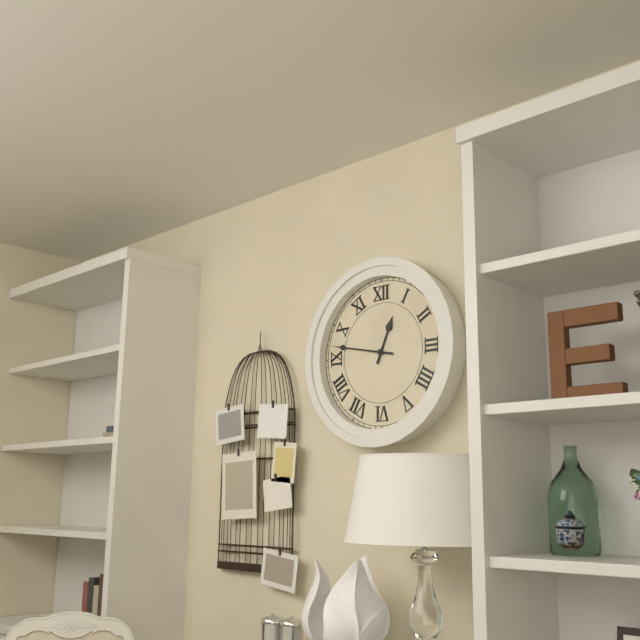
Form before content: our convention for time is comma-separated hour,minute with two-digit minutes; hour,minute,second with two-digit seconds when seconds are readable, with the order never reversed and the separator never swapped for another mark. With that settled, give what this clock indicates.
12,47
